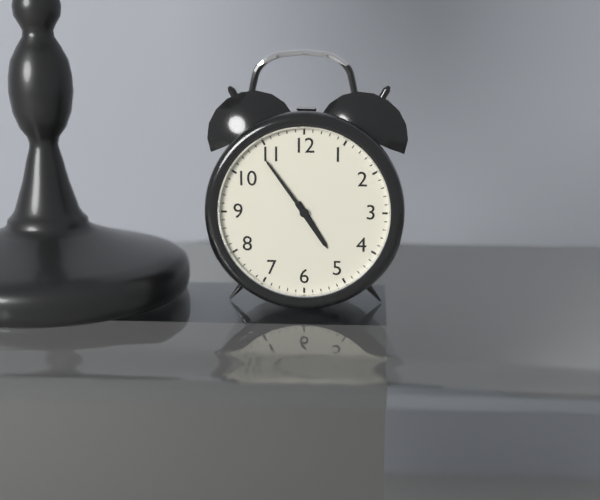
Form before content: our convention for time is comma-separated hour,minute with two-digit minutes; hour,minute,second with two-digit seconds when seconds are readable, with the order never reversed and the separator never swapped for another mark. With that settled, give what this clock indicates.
4,54
